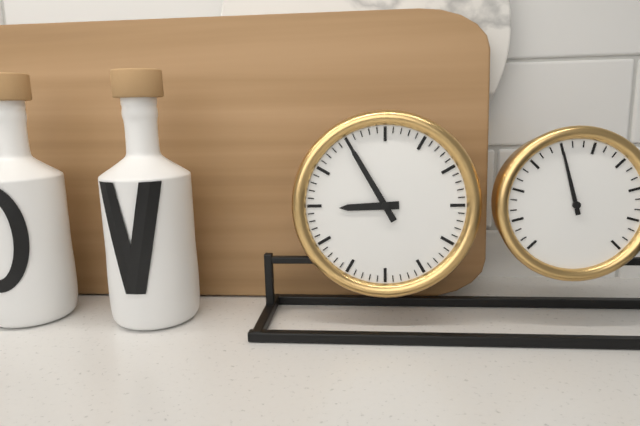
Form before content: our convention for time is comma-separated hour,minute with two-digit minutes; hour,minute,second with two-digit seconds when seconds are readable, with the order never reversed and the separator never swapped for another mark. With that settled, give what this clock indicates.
8,55
